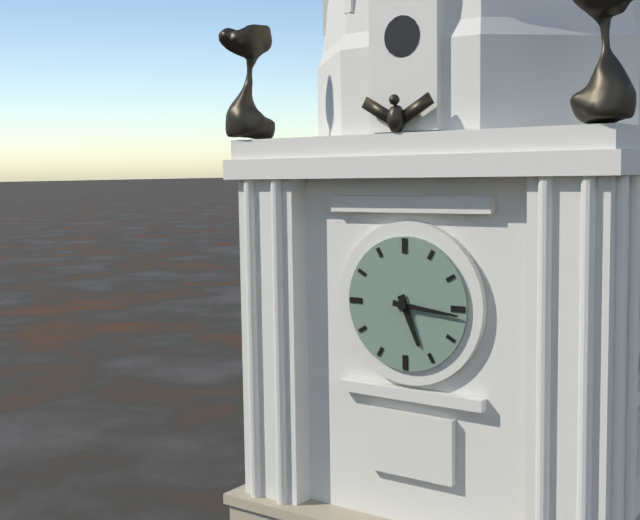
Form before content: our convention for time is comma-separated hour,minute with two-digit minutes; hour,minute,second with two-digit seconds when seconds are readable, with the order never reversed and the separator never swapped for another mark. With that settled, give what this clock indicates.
5,16
